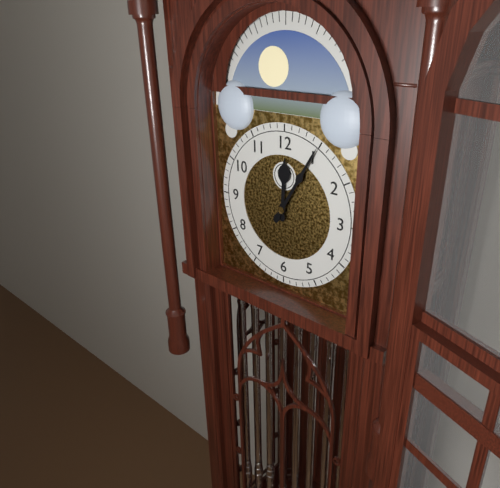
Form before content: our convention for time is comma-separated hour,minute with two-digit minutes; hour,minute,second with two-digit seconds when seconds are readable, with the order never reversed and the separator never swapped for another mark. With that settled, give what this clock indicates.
12,05
